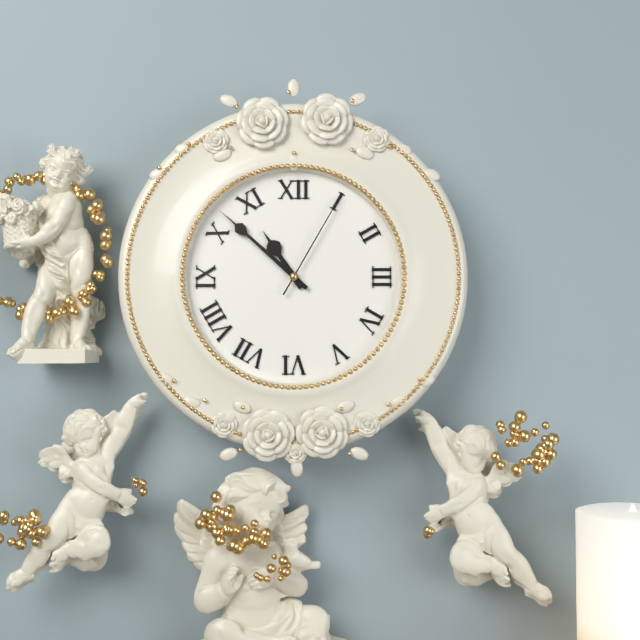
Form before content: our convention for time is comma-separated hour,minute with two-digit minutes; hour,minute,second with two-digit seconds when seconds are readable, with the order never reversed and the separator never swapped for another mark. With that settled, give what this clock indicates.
10,52,05
